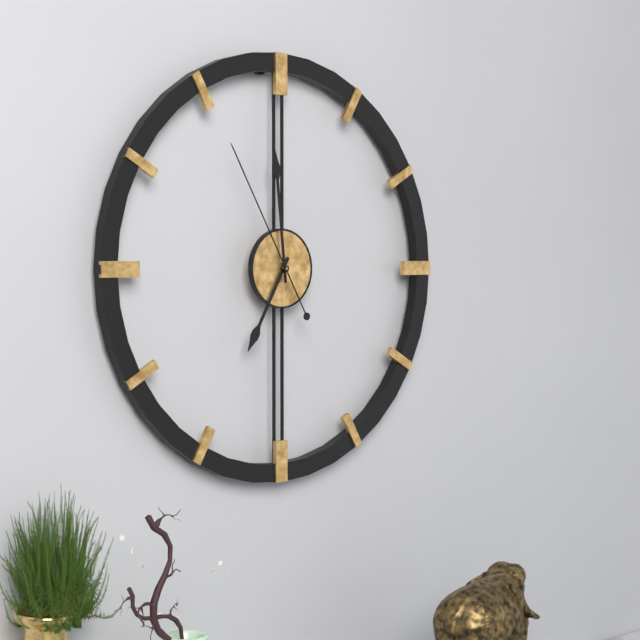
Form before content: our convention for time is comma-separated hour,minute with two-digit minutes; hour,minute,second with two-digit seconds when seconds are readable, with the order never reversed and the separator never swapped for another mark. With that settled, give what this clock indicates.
6,59,55
